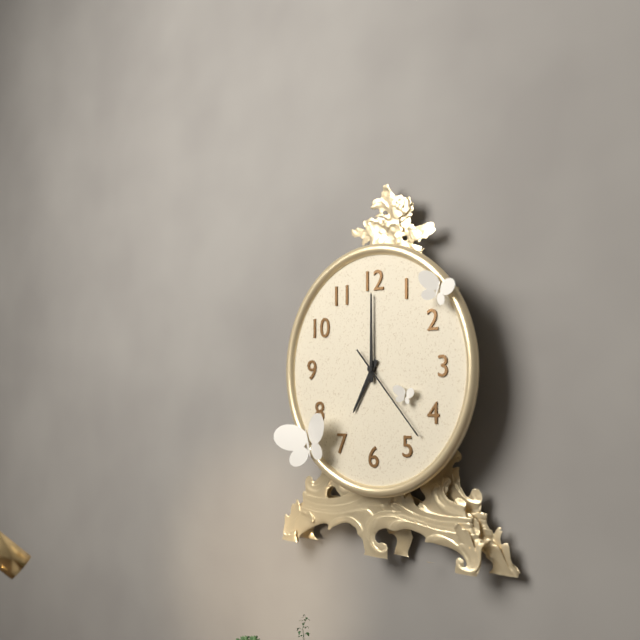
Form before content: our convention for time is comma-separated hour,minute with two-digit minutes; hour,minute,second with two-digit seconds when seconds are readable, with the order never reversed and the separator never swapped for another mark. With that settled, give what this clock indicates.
7,00,23
